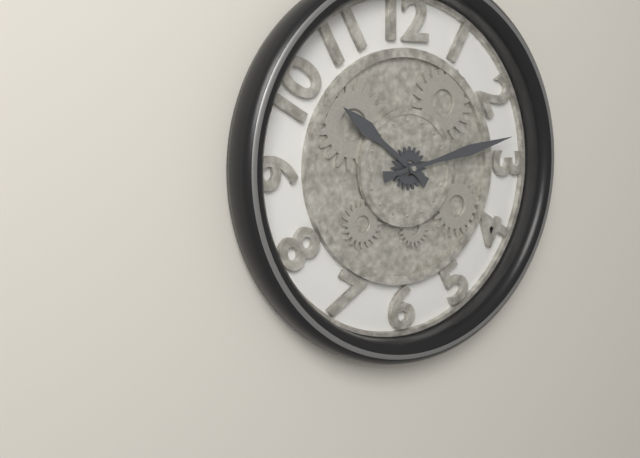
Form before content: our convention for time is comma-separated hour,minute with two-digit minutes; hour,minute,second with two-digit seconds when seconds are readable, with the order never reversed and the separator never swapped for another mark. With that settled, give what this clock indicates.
10,13
